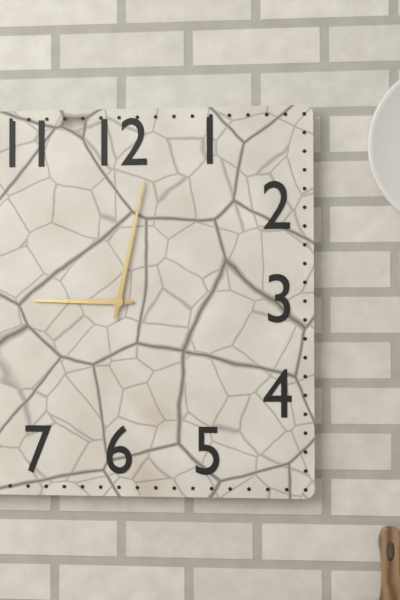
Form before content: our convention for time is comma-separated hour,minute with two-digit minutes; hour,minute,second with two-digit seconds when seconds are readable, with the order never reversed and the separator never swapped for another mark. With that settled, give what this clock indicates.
9,02
